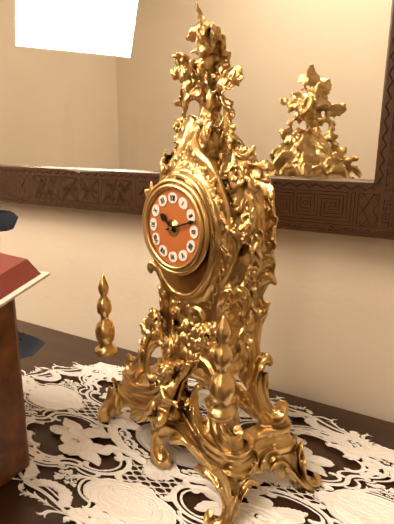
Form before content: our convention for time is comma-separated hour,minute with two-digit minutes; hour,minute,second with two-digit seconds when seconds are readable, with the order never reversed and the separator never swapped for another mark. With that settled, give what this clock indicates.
10,12
